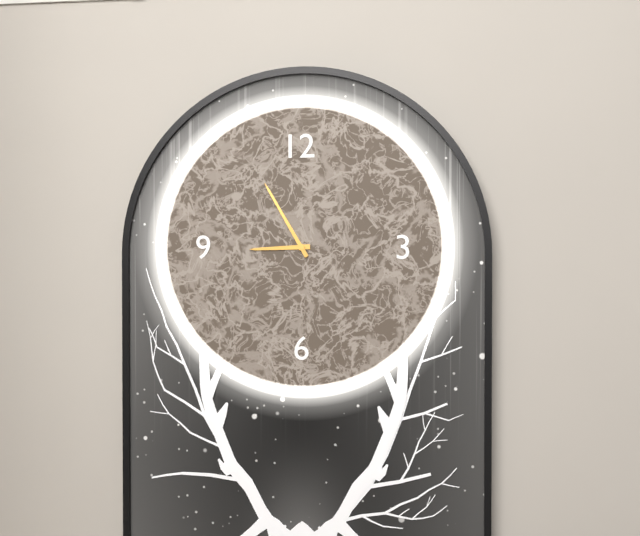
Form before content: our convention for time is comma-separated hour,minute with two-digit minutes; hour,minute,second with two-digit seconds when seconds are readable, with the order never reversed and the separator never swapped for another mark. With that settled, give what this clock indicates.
8,55
